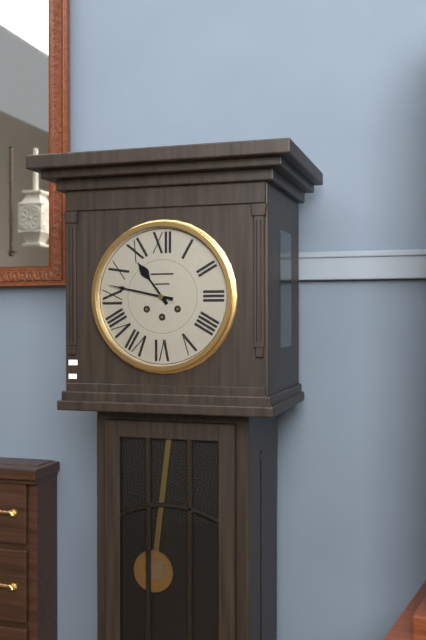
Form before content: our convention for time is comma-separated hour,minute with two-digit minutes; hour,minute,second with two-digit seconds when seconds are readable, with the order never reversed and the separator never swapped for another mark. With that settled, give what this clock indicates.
10,47
